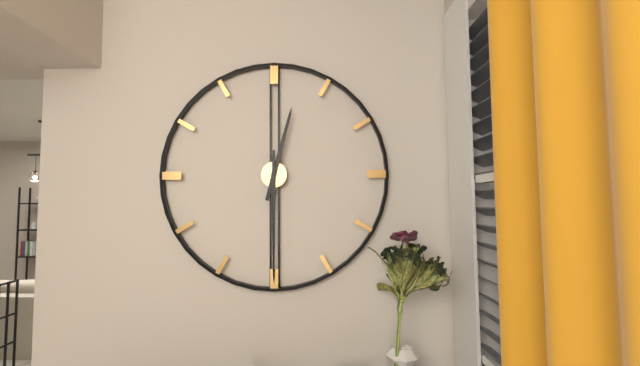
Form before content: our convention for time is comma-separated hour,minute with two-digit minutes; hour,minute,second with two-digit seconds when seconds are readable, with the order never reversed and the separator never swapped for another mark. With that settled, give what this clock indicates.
12,30
